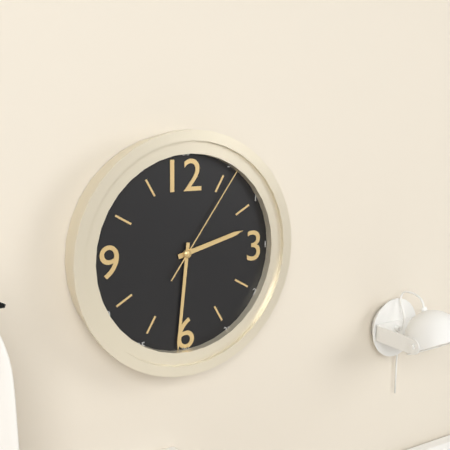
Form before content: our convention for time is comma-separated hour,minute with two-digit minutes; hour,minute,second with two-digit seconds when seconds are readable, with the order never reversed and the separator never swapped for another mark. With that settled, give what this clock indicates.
2,31,06
